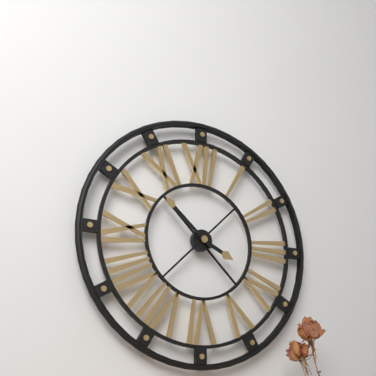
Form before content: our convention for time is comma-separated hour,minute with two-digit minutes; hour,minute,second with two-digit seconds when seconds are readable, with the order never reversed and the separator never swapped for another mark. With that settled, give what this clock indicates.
3,52
